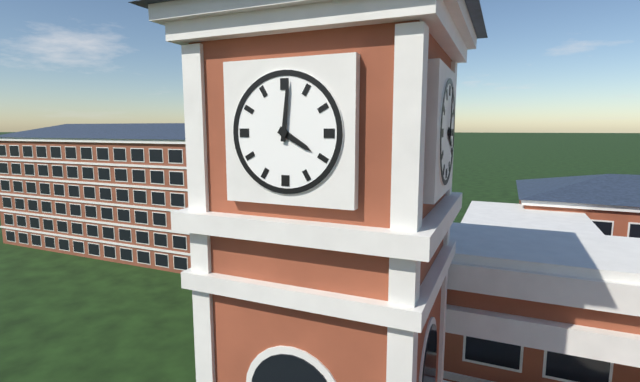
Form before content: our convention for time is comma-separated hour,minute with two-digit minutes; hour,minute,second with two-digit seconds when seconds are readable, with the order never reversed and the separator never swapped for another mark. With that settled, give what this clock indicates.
4,01
